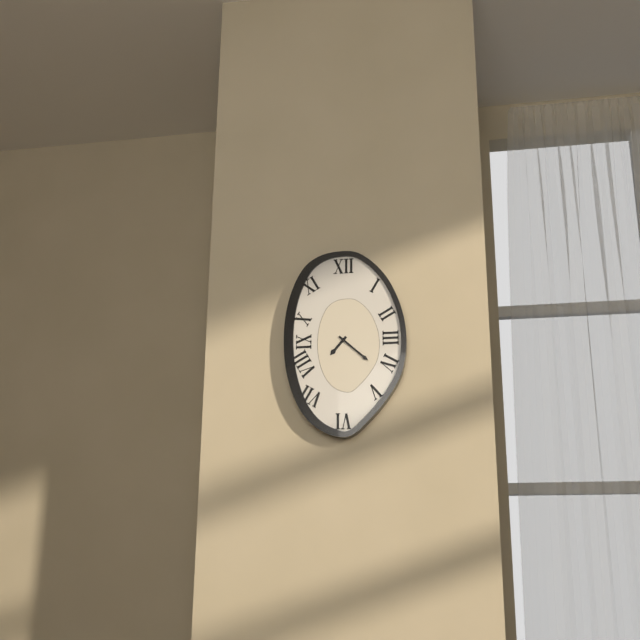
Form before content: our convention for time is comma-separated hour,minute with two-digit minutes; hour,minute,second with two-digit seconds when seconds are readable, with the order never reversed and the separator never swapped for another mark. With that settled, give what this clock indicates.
7,22
